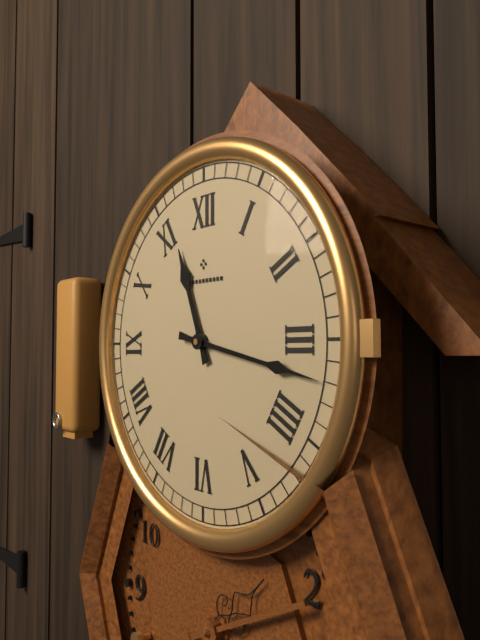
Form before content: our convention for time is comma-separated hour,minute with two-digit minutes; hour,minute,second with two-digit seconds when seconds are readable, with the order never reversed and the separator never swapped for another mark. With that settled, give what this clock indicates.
11,17
